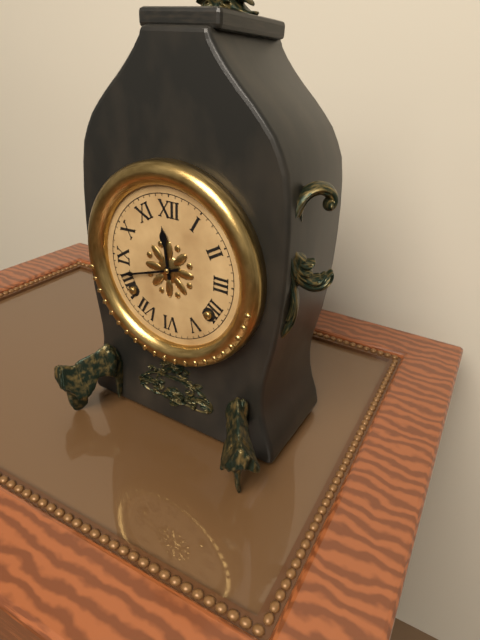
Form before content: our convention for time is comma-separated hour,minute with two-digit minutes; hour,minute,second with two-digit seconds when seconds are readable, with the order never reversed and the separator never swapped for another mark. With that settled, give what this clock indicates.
11,42
